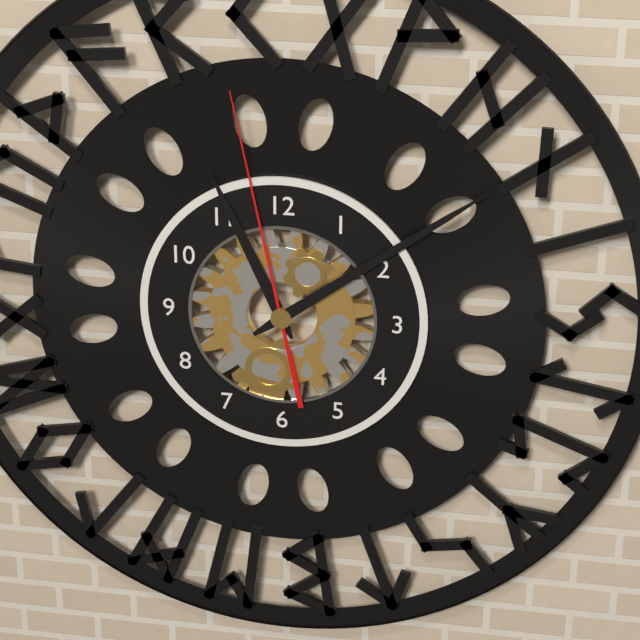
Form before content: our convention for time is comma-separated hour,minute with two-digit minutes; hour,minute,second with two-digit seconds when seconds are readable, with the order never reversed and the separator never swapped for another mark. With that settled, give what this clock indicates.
11,09,58
